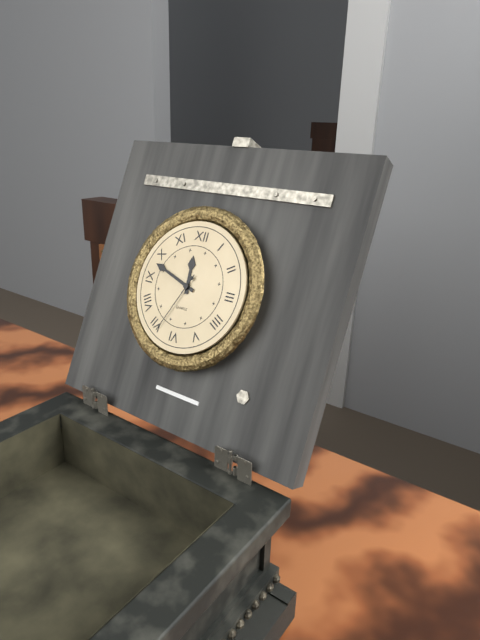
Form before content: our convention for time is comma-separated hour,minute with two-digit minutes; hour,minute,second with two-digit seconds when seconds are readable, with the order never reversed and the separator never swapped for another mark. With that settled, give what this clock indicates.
11,48,34
